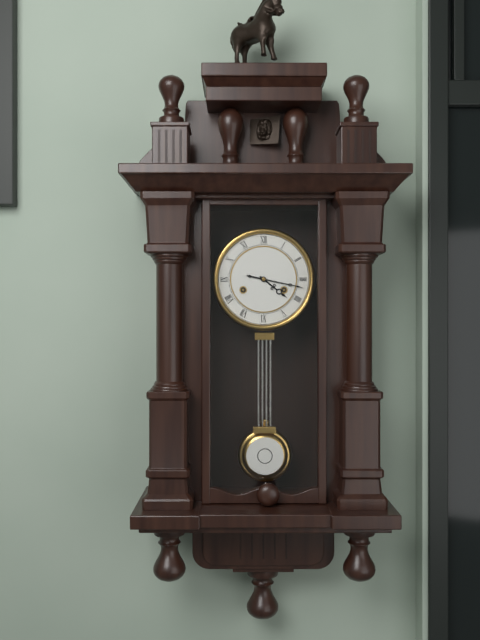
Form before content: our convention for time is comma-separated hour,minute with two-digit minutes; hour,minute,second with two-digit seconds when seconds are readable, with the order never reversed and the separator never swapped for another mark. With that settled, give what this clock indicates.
4,17
